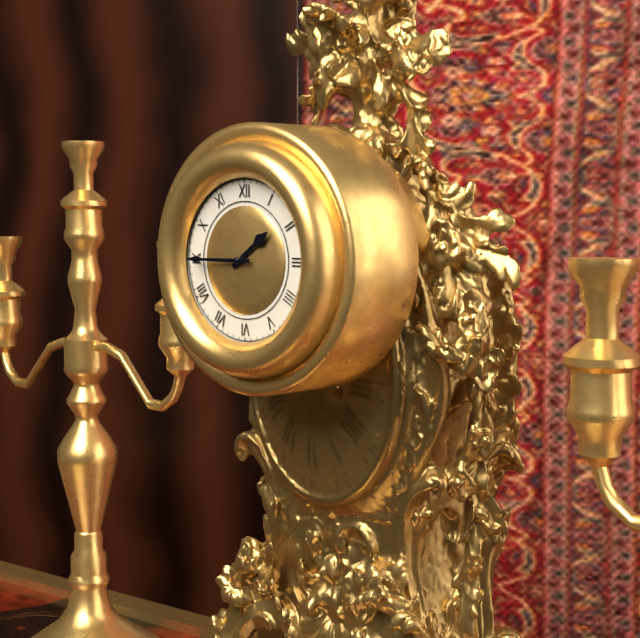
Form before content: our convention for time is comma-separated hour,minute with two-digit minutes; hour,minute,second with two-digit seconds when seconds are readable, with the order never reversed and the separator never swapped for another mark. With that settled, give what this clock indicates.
1,45
